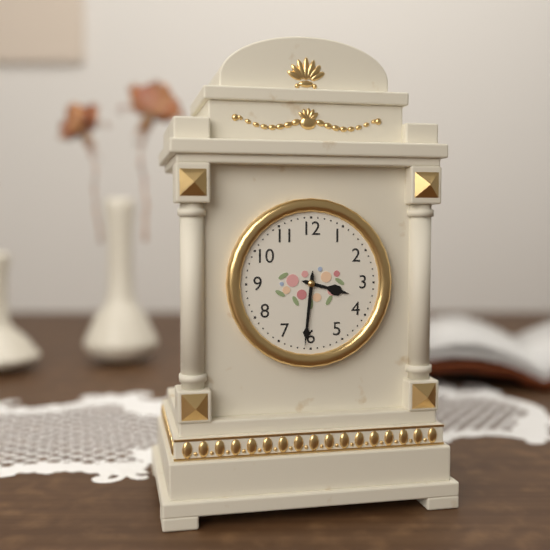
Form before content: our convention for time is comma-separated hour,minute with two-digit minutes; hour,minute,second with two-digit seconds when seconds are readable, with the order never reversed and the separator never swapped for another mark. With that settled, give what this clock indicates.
3,31
